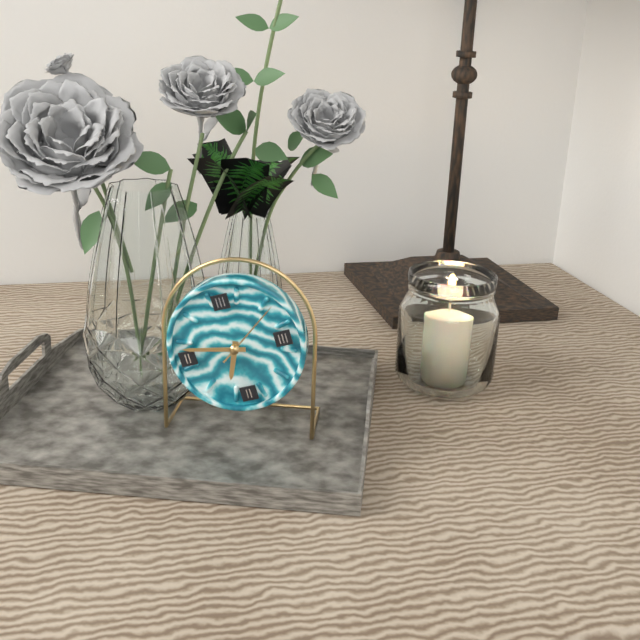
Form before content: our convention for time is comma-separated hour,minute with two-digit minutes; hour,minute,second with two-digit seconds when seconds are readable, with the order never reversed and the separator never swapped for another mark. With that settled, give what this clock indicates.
6,47,09
